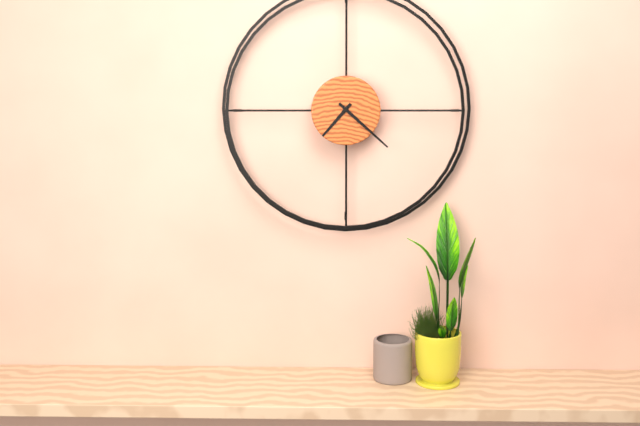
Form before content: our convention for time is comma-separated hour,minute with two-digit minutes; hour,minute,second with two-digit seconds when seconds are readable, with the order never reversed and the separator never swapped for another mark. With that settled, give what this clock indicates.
7,22
